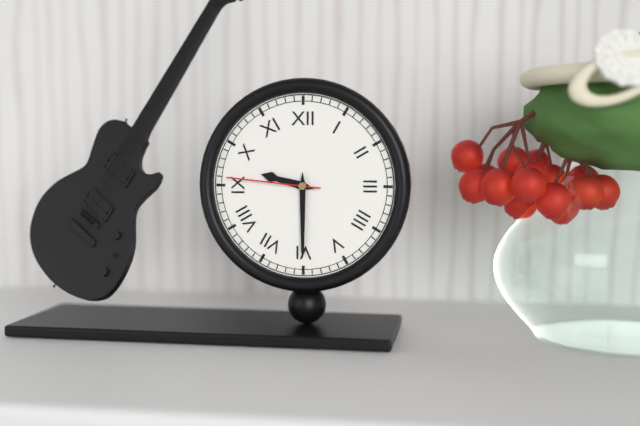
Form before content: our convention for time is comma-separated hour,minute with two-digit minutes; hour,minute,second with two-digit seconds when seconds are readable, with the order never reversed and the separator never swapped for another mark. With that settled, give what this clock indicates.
9,30,46
